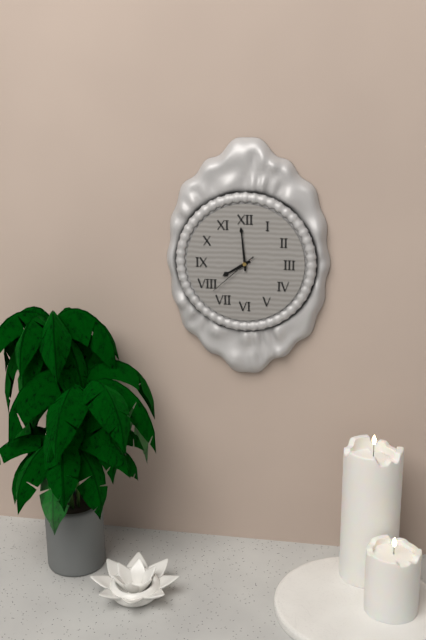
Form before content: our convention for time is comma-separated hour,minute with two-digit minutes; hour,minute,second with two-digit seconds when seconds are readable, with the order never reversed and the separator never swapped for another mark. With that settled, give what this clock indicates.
7,59,38
